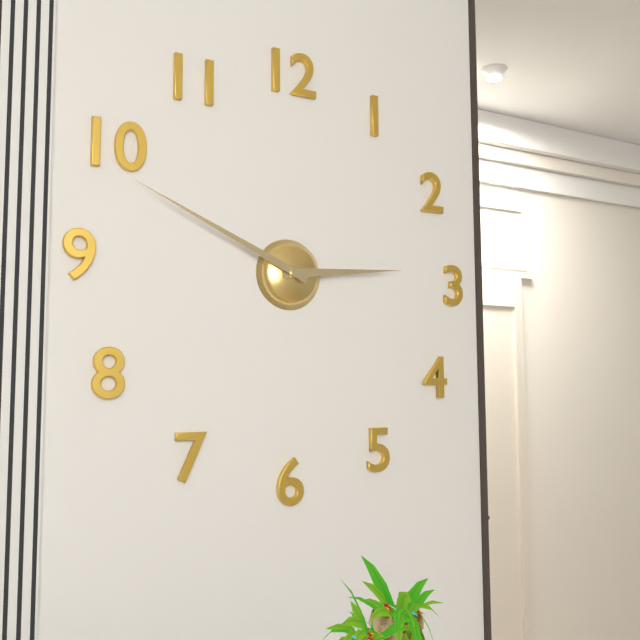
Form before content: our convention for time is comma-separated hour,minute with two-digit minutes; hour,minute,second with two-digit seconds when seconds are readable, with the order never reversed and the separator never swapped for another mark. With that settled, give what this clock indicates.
2,49
